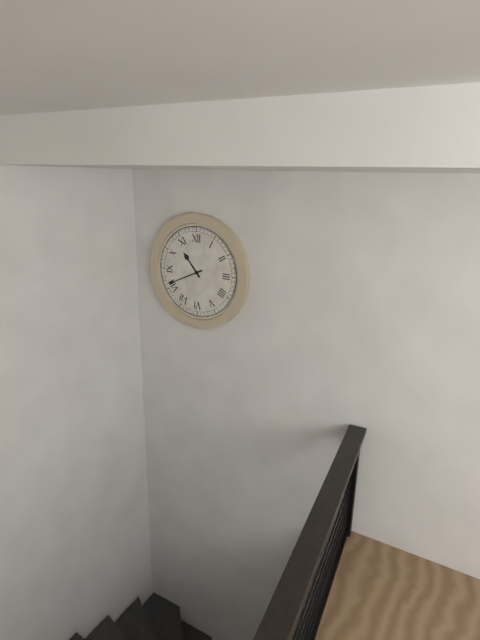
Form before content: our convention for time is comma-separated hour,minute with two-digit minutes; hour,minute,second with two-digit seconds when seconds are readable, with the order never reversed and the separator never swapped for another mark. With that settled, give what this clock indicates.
10,41
